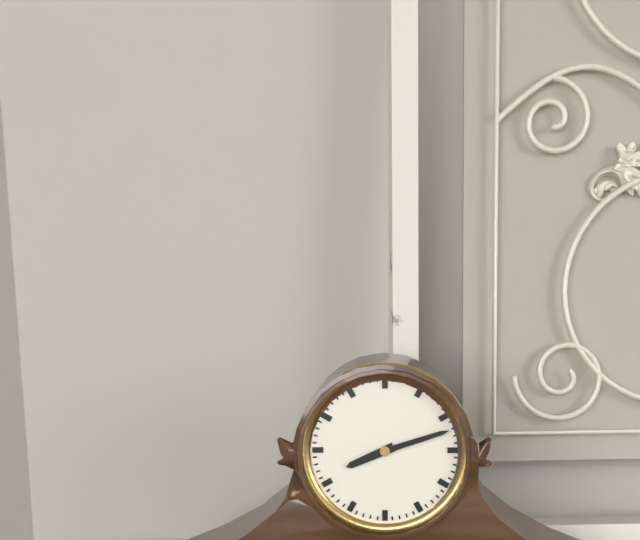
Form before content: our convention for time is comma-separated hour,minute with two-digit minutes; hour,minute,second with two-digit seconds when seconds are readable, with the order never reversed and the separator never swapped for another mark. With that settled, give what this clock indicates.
8,12
